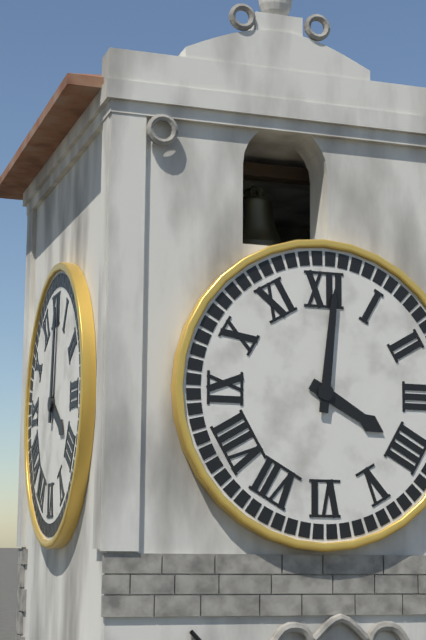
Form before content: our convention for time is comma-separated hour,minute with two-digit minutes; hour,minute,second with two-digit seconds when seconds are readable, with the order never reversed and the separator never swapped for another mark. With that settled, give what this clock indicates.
4,01
